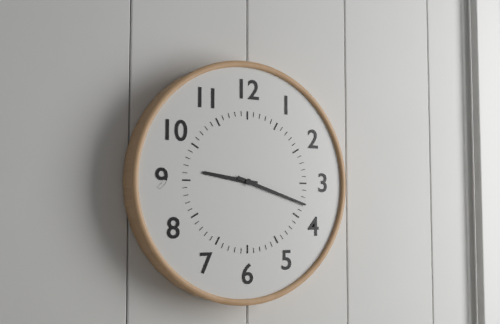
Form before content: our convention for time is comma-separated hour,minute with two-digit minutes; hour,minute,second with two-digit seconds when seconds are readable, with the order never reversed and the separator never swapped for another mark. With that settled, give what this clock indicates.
9,18
